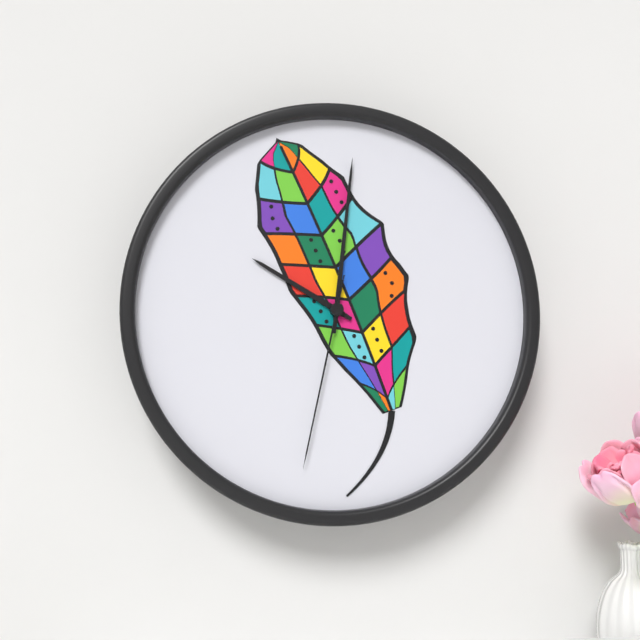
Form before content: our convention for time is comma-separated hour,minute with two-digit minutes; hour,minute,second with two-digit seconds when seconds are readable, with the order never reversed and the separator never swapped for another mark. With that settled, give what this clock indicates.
10,01,32
